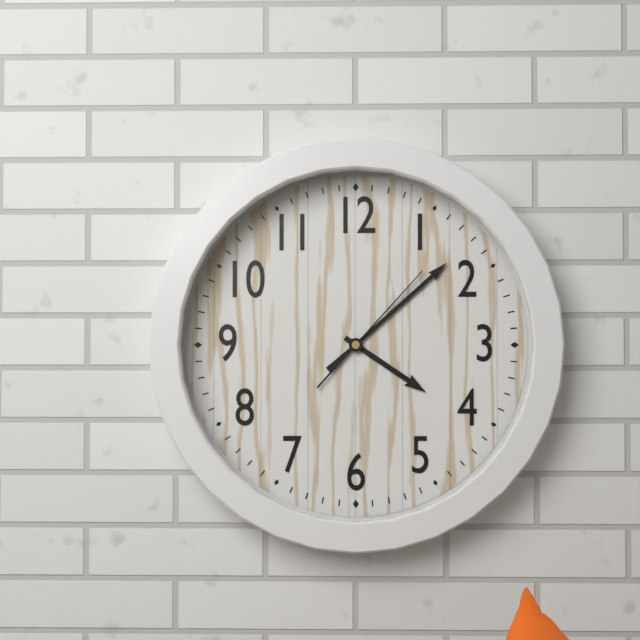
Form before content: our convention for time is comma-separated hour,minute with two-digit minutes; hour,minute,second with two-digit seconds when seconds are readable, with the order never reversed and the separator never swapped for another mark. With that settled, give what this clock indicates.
4,08,07
